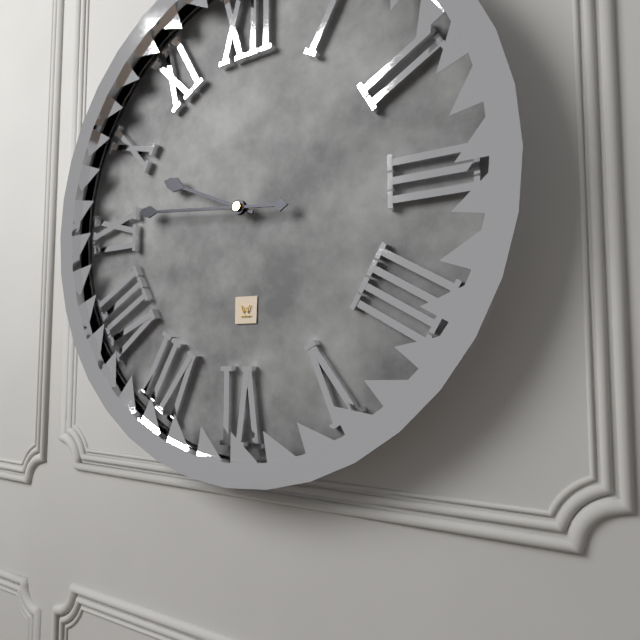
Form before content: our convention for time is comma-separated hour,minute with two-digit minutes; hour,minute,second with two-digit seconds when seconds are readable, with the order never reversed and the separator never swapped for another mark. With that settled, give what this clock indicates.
9,46
